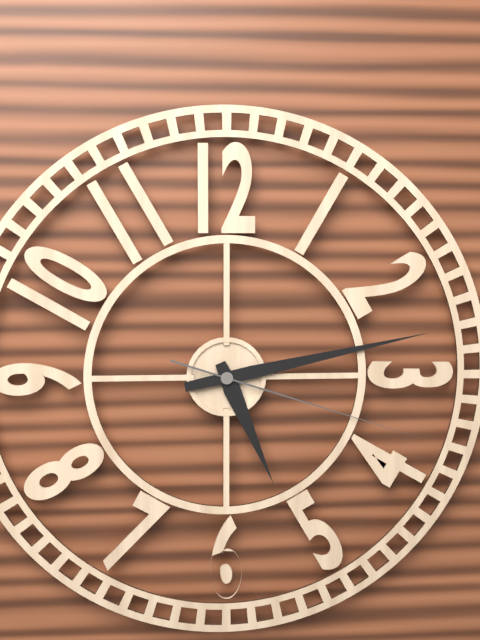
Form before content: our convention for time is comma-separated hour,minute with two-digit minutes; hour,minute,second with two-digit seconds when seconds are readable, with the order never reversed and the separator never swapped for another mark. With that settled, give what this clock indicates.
5,13,18
